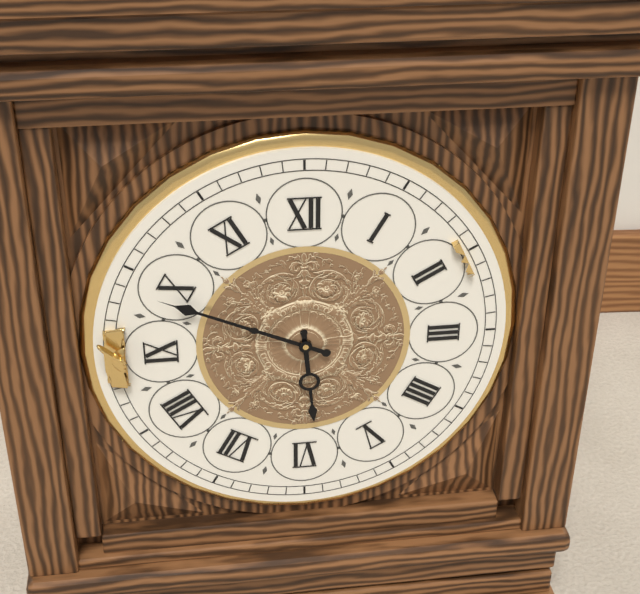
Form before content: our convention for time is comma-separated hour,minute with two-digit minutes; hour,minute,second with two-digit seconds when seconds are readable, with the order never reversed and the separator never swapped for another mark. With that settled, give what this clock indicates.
5,49
